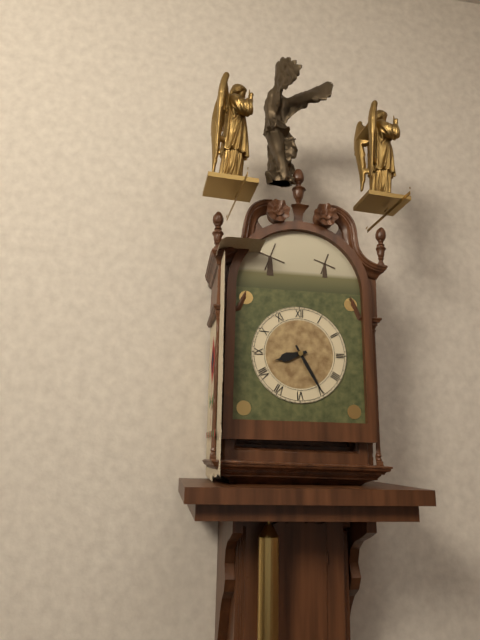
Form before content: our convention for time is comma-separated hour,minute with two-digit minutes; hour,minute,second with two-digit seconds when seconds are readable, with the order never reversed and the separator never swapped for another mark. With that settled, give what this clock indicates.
8,25
